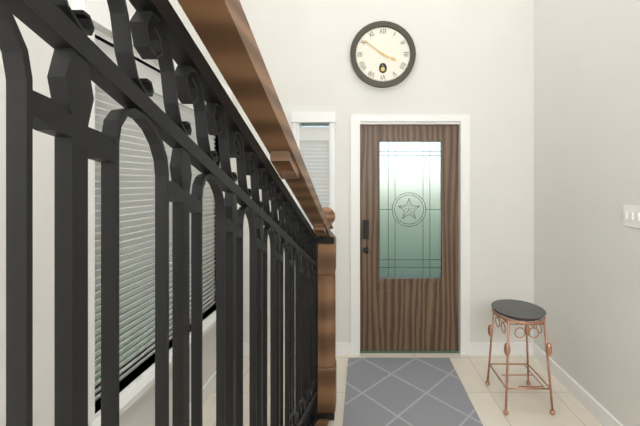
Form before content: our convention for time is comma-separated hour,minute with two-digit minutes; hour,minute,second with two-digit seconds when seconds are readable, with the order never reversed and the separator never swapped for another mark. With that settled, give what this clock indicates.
3,51
